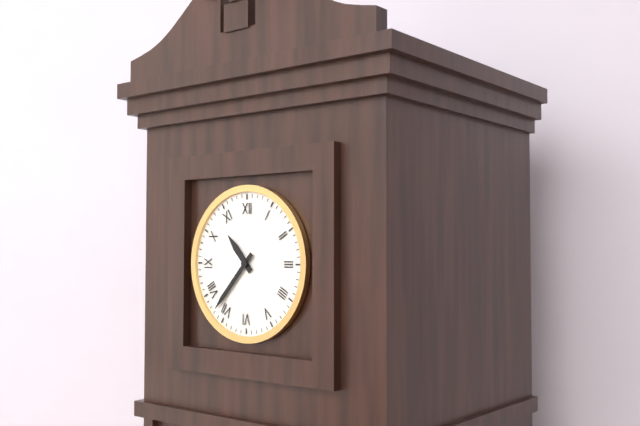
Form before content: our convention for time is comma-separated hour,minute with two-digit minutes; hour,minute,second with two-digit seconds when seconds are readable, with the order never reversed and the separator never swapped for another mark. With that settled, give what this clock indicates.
10,37
